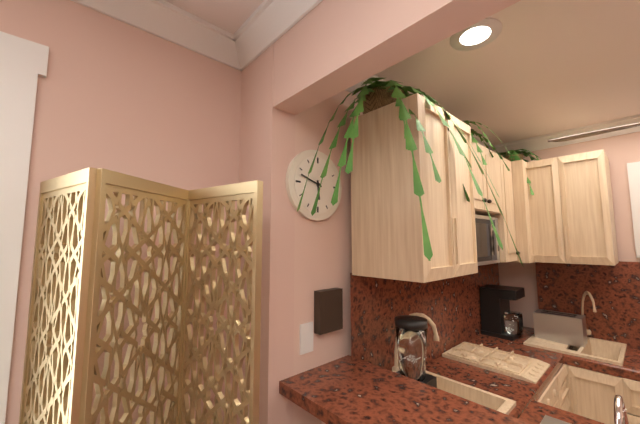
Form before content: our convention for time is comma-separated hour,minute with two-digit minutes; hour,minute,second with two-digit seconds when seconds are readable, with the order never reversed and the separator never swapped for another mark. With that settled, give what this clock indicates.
5,48
